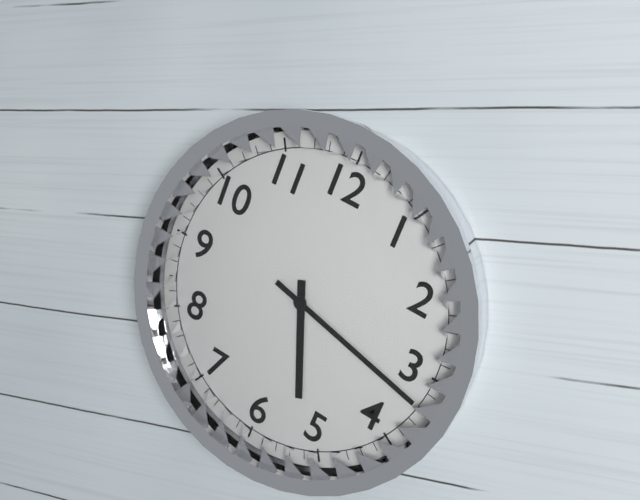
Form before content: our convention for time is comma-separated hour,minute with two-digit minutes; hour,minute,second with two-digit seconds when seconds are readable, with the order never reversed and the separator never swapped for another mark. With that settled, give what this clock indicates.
5,17
